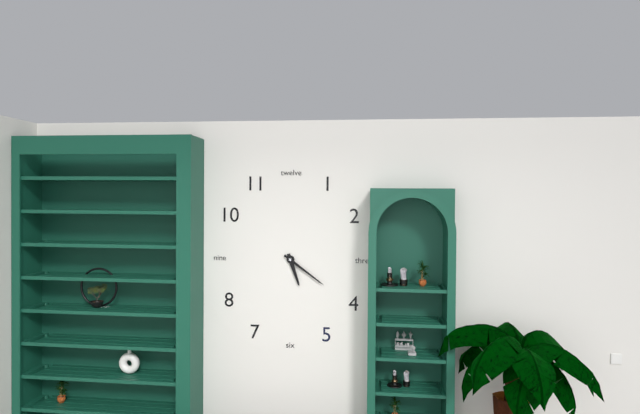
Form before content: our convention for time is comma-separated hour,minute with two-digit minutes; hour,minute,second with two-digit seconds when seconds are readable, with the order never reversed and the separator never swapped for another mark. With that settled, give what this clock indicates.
5,21
